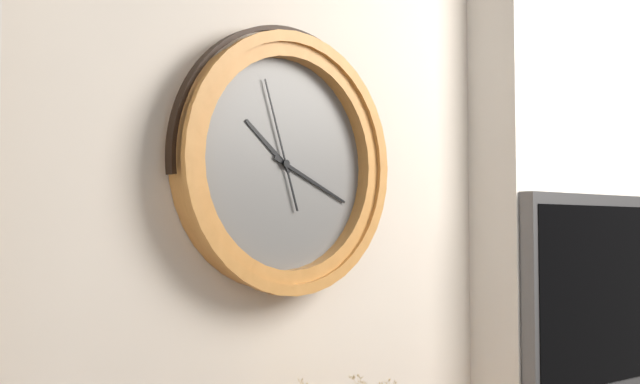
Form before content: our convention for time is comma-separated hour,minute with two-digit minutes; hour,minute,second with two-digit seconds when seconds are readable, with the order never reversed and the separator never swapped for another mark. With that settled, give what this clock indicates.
10,19,57
